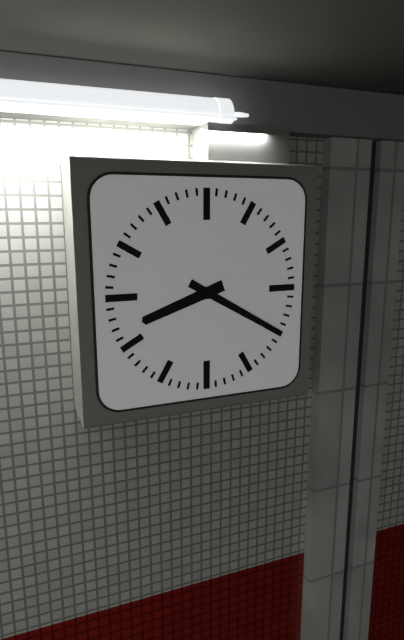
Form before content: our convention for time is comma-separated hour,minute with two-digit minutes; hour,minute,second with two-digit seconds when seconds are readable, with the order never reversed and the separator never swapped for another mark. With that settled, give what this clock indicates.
8,20
